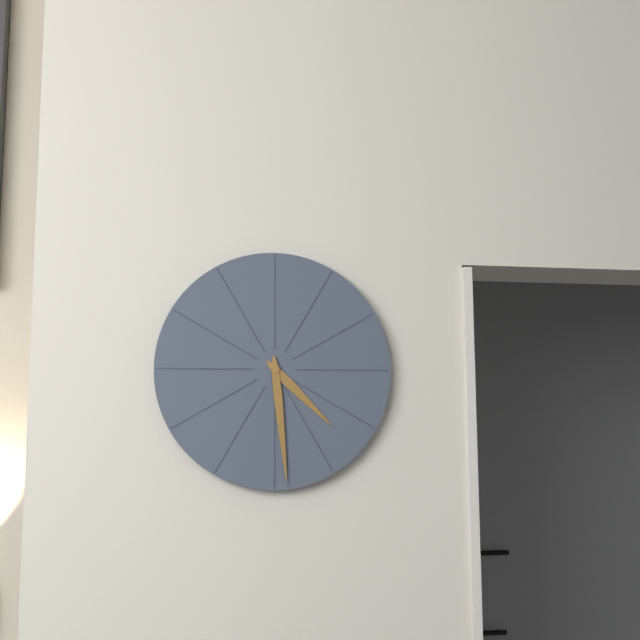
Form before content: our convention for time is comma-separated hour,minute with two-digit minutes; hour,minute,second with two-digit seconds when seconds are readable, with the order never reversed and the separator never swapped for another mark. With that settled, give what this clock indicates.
4,29
